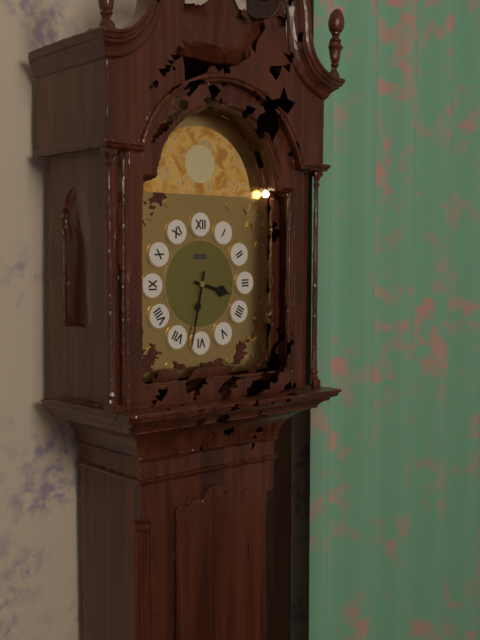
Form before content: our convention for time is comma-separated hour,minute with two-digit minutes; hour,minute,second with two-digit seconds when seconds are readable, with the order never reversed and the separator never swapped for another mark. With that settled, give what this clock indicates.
3,32
